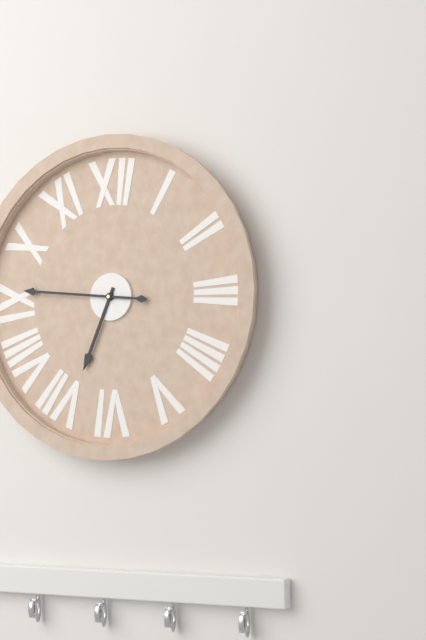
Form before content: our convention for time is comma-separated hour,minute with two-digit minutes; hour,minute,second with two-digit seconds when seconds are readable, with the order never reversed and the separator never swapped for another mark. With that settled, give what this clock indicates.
6,46
